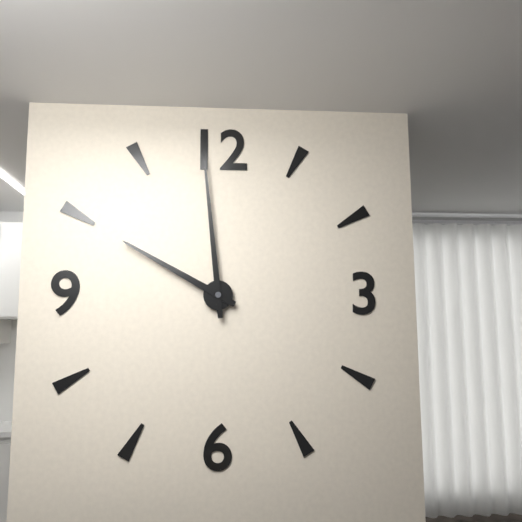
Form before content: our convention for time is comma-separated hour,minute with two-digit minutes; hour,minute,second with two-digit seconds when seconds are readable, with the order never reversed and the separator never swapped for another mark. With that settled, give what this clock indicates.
9,59
